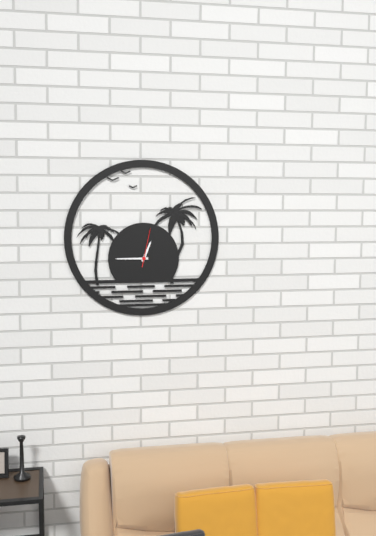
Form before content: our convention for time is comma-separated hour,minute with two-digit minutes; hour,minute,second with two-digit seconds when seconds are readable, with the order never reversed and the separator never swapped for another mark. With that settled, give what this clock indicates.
12,45
